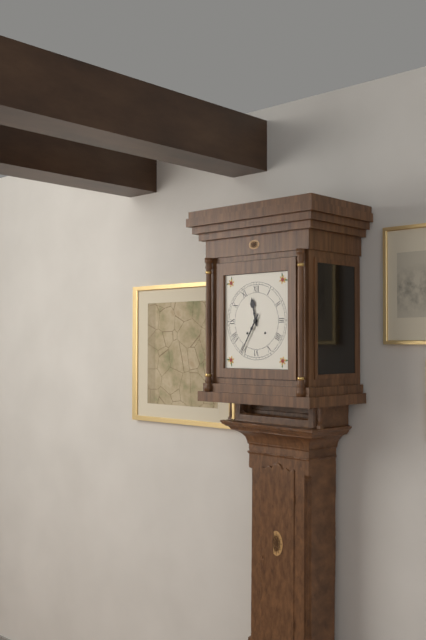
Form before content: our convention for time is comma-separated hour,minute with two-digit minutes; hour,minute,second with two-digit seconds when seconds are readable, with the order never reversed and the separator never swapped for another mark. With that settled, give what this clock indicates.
11,35
